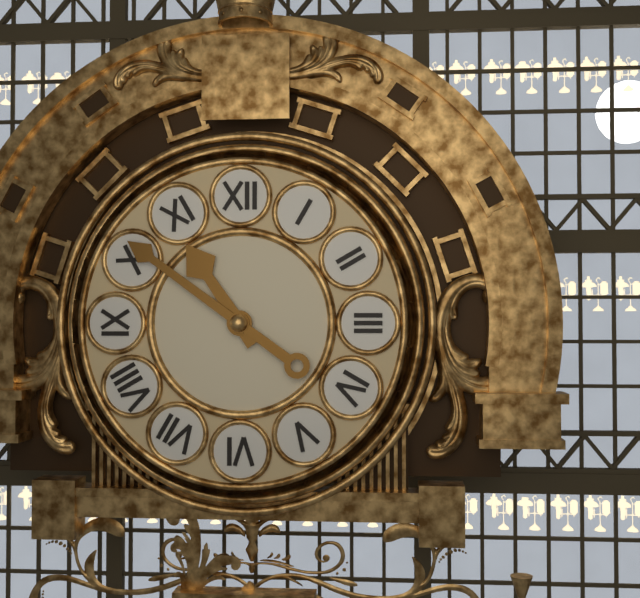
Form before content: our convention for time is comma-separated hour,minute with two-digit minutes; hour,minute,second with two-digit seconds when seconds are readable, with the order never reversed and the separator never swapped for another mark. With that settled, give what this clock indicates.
10,51
